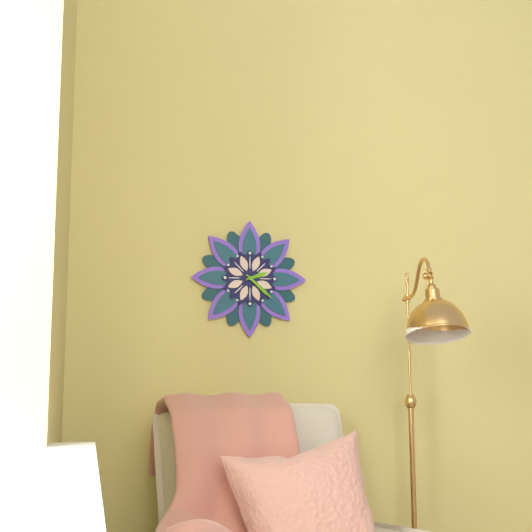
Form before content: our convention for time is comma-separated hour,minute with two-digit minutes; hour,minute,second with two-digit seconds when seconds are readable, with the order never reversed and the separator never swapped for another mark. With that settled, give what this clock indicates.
2,22
